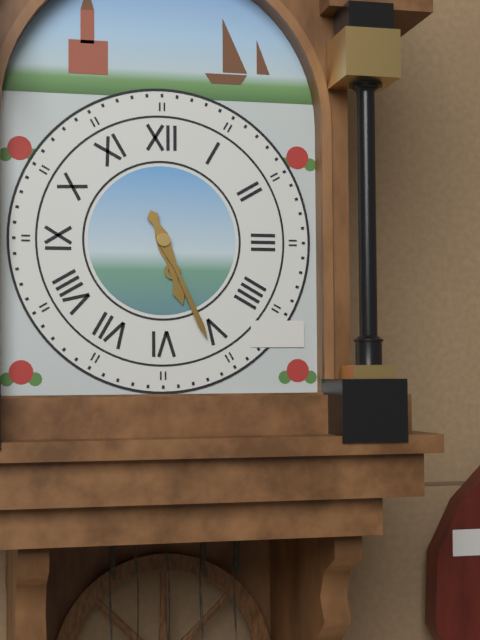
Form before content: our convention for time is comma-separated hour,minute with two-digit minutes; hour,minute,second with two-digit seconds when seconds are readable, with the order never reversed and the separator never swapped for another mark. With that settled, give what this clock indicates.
5,26
